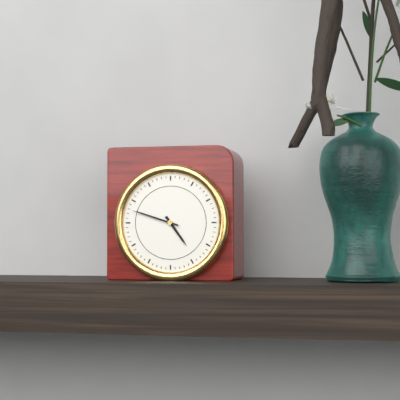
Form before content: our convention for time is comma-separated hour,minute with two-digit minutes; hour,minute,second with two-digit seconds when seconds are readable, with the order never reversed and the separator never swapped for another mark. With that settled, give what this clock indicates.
4,48
